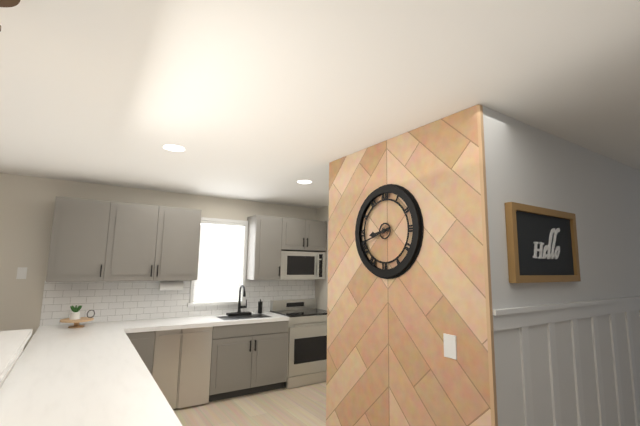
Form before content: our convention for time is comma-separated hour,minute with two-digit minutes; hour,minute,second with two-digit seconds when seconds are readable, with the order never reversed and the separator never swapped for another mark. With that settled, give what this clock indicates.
8,42
